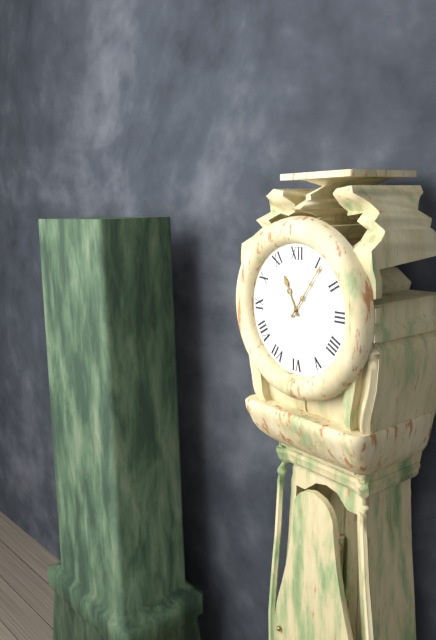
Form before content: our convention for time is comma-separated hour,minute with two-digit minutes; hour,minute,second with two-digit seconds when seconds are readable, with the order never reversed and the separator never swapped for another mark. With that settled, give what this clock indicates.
11,06
